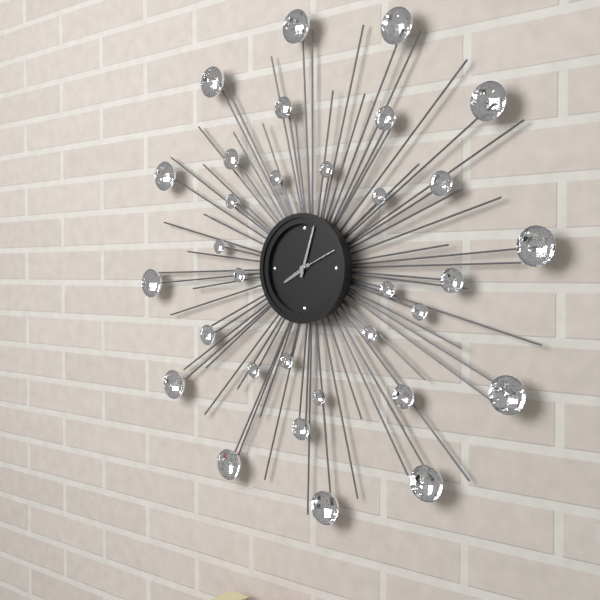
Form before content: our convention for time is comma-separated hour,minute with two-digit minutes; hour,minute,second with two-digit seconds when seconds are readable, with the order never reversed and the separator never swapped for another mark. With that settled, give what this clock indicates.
8,03,11
